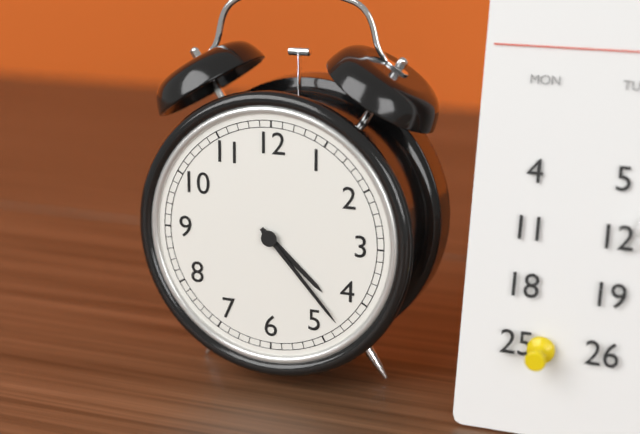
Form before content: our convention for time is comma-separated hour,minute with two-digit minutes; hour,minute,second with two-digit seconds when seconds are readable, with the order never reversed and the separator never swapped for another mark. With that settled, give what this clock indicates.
4,23
